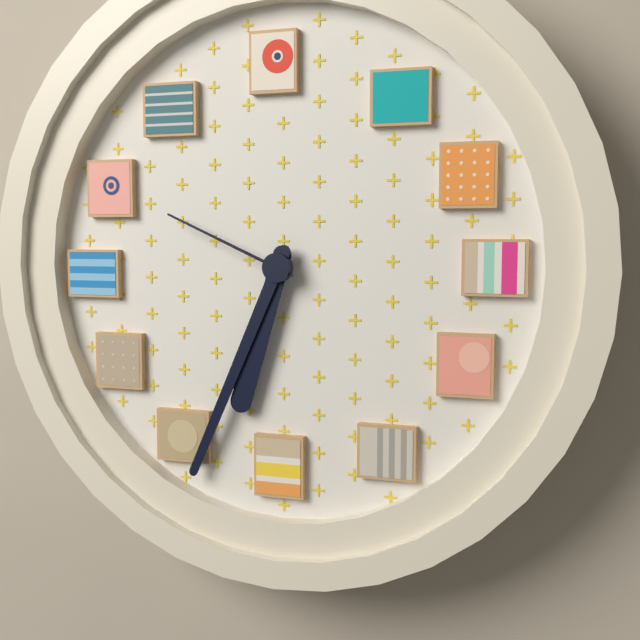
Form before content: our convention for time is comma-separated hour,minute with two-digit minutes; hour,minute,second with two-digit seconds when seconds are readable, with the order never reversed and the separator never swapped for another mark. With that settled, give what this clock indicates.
6,34,49
